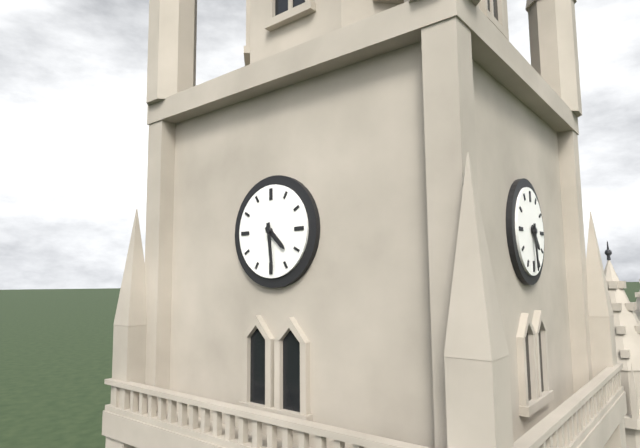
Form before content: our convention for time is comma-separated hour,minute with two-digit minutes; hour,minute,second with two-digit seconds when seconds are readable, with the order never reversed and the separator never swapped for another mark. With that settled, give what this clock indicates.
4,29
